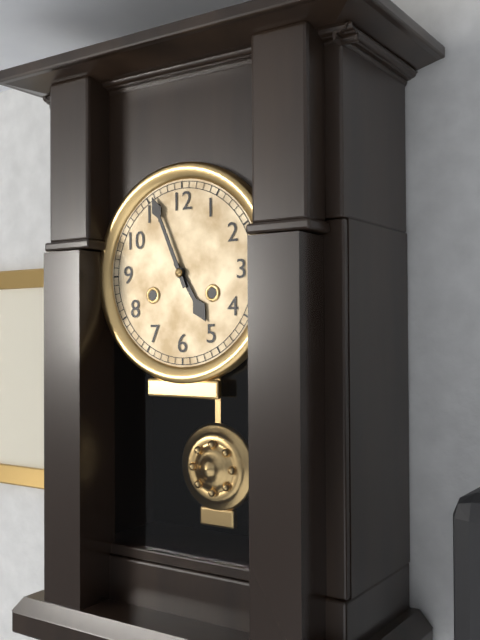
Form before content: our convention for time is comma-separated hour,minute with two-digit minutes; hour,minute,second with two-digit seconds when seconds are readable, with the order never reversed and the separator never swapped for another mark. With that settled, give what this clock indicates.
4,56
